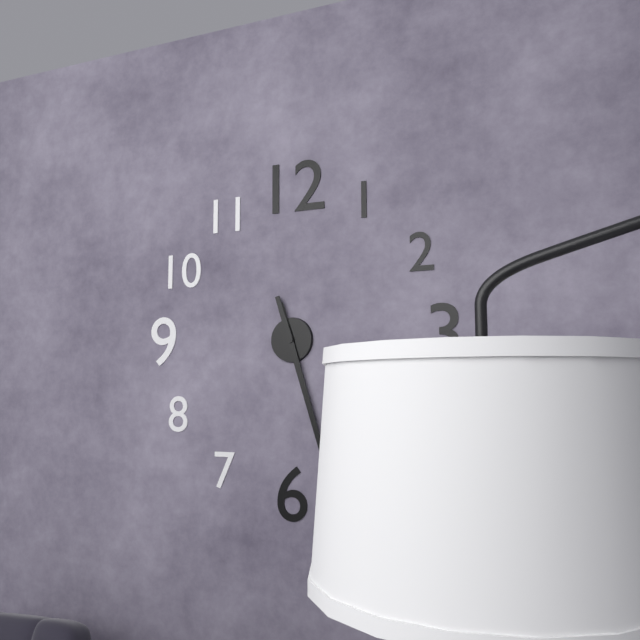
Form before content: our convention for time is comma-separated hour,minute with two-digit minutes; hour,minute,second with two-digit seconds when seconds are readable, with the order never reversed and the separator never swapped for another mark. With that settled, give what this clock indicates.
5,27
